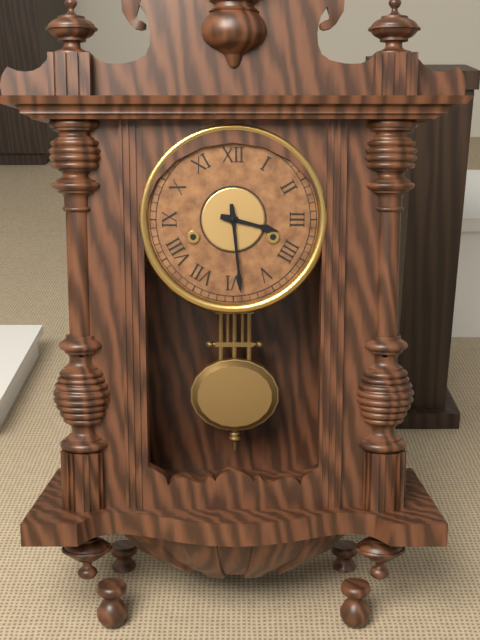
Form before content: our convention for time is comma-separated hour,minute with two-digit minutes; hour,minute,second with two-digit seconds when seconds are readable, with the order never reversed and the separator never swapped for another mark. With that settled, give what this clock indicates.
3,29
